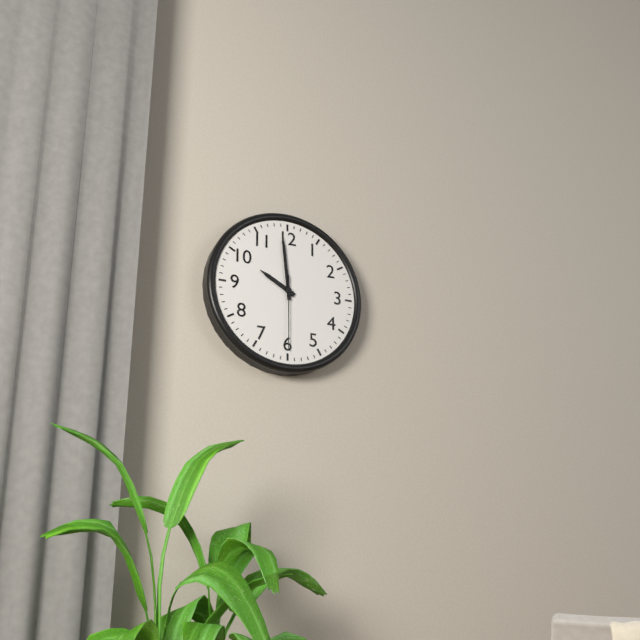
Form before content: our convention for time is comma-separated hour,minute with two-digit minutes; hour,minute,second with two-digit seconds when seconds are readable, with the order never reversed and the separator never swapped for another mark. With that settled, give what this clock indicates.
9,59,30
